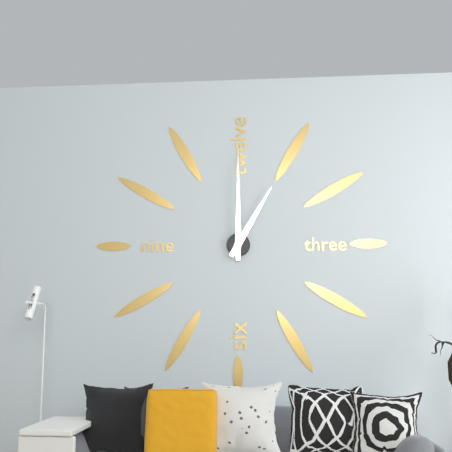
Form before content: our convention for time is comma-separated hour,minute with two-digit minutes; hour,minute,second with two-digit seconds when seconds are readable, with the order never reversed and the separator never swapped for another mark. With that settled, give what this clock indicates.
1,00
